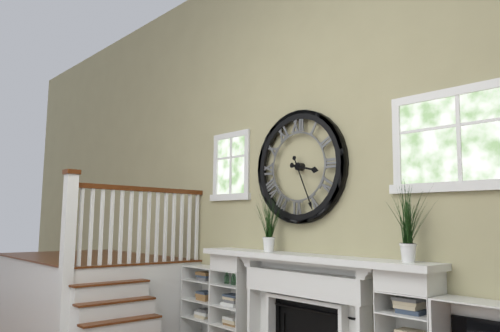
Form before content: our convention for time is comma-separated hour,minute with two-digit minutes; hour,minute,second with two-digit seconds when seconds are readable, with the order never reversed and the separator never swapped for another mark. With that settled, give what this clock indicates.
3,26
